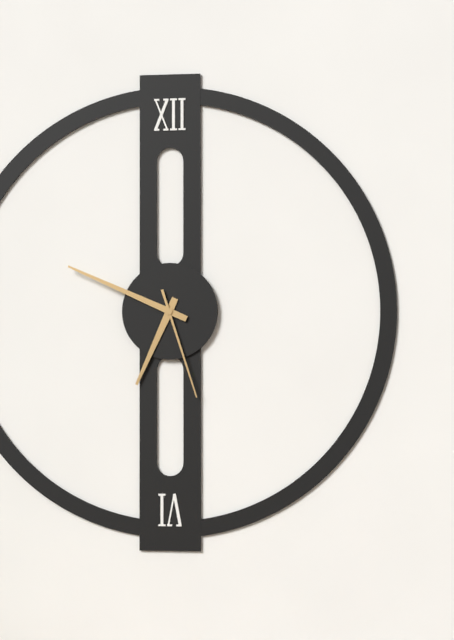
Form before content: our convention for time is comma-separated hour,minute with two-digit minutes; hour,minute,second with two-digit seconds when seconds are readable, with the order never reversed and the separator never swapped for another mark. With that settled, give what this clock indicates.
6,49,27
